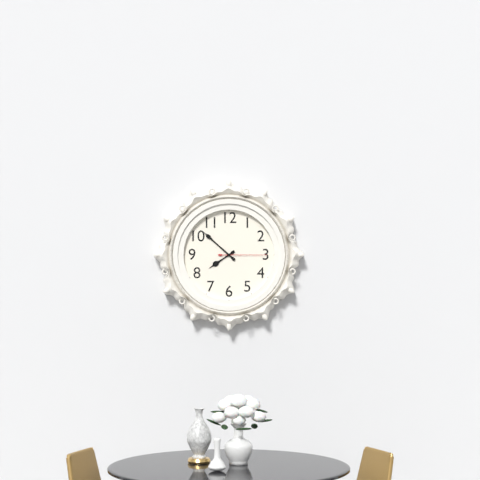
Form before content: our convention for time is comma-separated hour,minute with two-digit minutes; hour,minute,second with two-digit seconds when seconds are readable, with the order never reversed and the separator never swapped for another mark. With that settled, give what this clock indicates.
7,52
